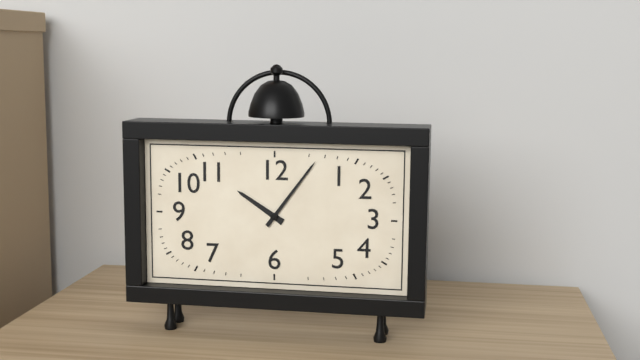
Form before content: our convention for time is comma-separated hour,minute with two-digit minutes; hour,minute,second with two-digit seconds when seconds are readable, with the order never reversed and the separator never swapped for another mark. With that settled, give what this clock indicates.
10,06
